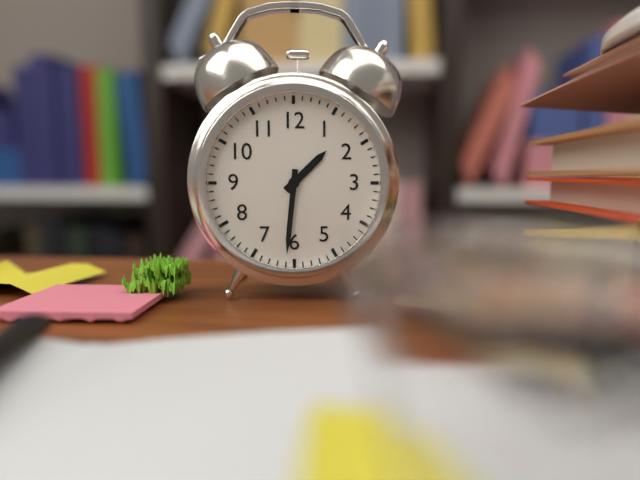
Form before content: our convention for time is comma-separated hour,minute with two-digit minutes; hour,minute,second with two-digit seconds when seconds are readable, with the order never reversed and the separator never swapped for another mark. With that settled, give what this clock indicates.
1,31
